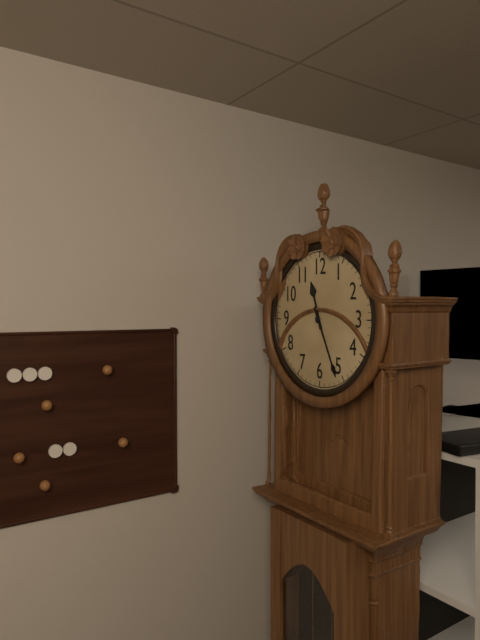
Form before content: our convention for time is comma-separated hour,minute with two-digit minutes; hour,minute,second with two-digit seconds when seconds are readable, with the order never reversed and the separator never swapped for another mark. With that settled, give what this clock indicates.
11,26
